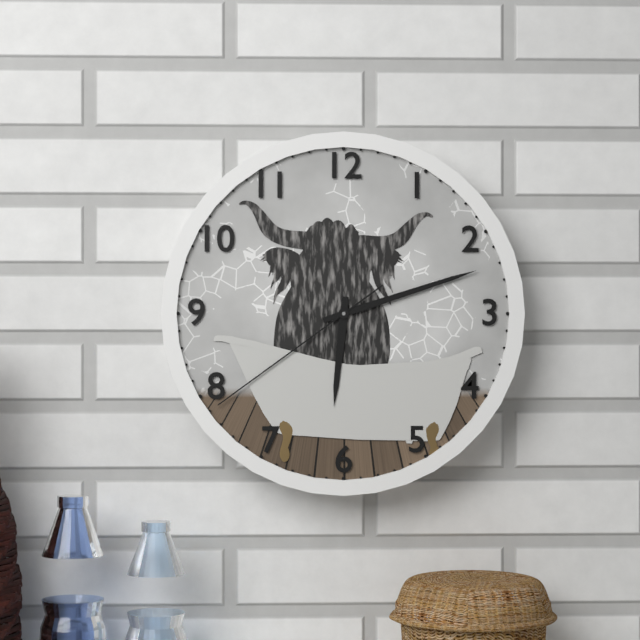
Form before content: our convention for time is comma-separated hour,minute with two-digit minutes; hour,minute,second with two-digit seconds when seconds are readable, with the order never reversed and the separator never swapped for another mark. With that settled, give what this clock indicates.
6,12,39
